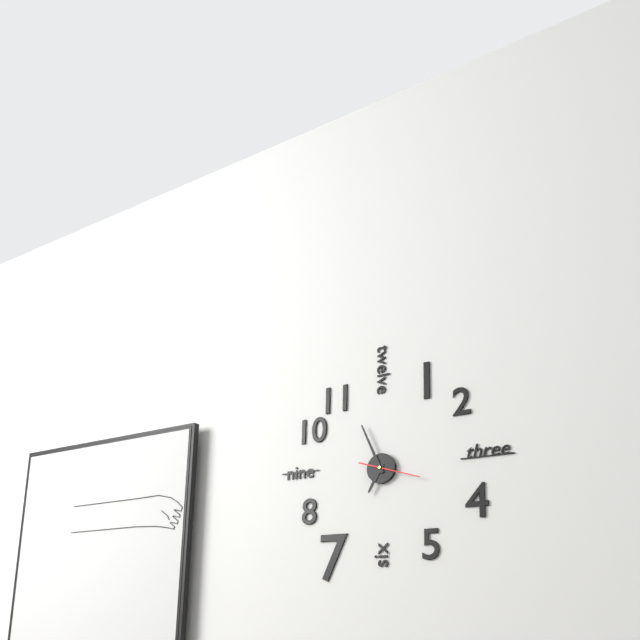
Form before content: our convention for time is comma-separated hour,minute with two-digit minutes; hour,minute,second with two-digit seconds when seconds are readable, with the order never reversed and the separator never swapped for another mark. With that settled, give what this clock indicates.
6,56
